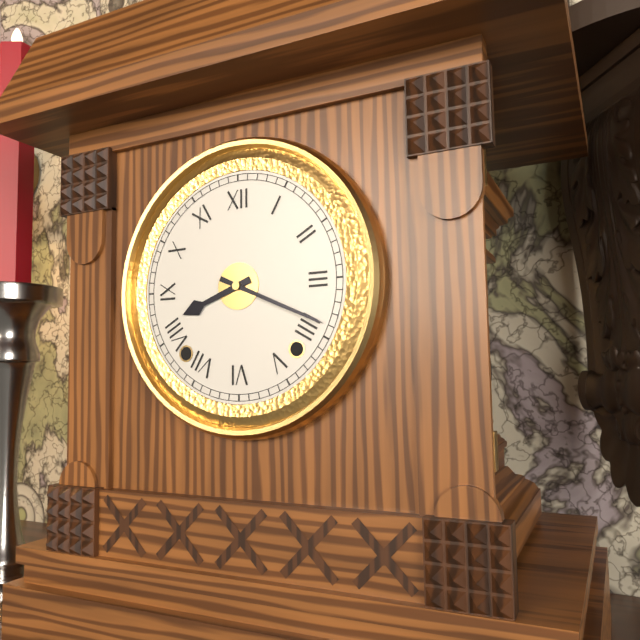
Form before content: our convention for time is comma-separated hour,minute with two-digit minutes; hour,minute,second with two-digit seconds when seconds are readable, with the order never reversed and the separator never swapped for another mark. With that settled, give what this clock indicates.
8,19
